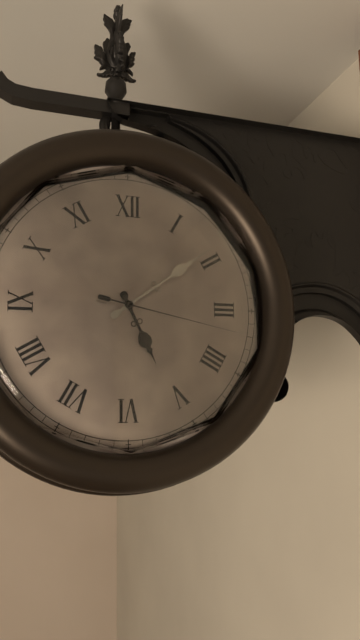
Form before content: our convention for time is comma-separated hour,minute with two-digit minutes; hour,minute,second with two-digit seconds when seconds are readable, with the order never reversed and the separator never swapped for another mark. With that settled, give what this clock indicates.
5,09,17
